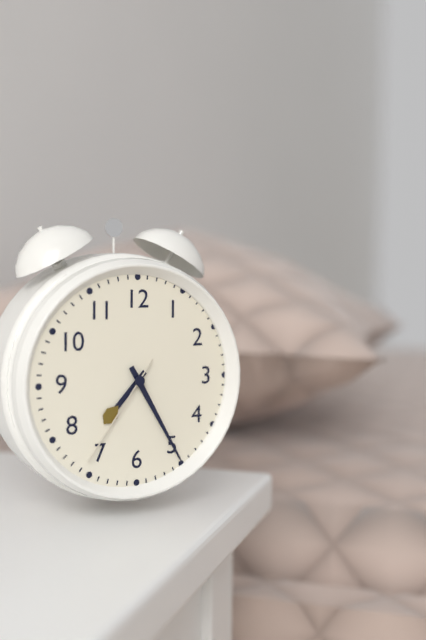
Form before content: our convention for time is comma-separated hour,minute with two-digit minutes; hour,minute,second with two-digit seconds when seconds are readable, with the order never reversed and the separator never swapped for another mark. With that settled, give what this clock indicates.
7,25,36
